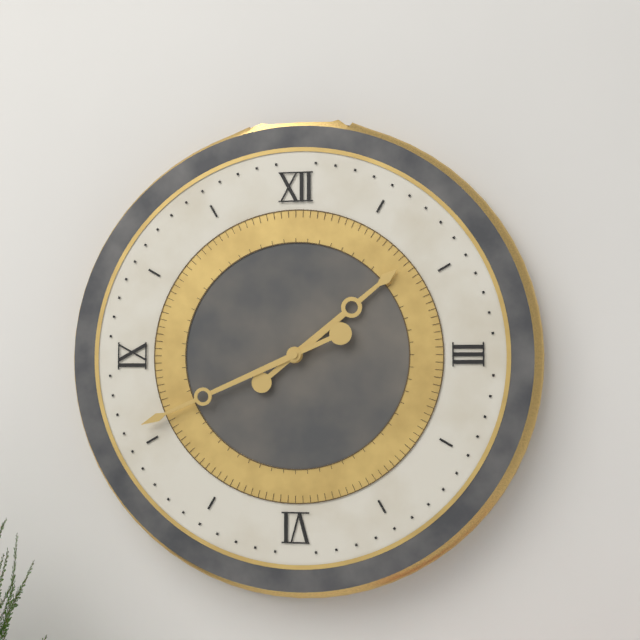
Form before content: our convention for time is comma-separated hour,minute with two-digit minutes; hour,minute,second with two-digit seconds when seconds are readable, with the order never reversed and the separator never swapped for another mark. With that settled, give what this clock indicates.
1,41
